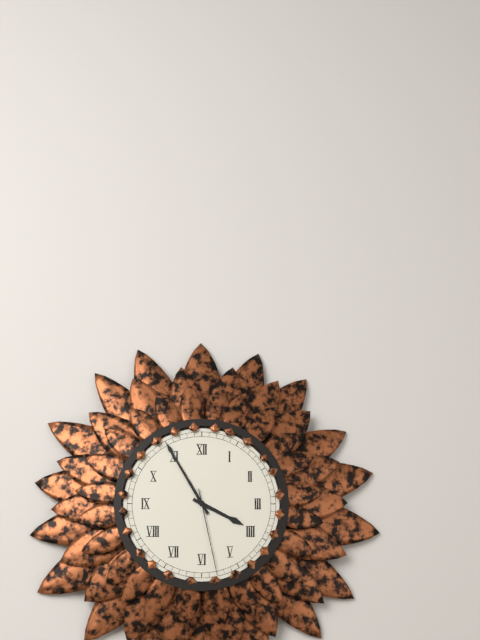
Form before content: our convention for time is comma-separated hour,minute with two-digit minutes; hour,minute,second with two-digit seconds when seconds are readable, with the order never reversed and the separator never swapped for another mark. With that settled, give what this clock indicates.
3,55,28
